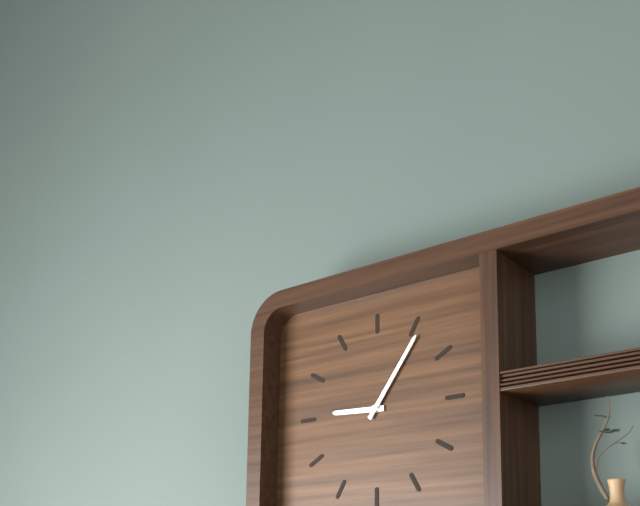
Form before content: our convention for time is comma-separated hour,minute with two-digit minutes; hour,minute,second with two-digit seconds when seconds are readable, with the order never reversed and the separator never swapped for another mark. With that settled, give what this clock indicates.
9,06
